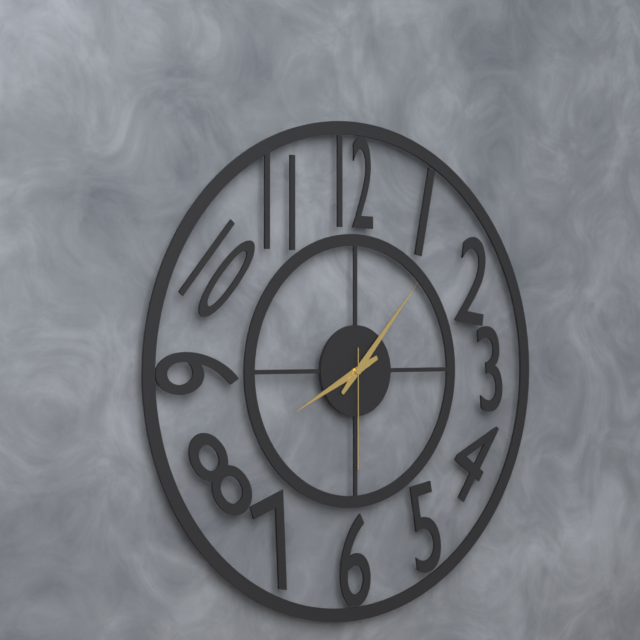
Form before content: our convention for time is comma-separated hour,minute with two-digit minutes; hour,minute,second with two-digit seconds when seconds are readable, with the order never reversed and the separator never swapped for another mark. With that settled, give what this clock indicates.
8,07,30
